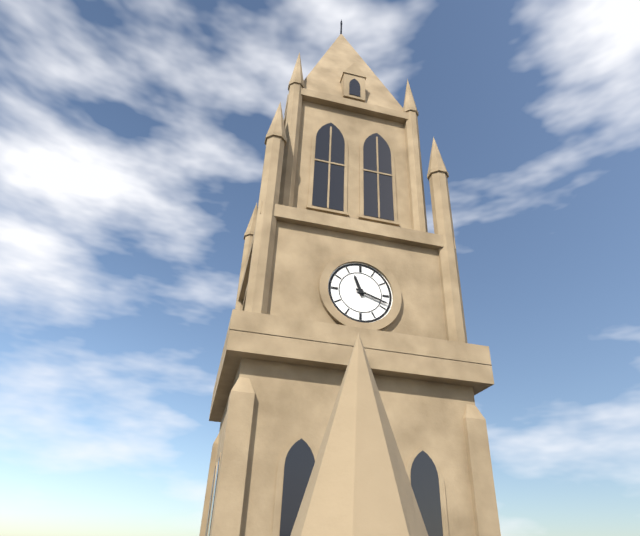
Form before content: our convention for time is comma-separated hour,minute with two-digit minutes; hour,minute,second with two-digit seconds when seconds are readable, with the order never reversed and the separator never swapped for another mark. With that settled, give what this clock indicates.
11,18
